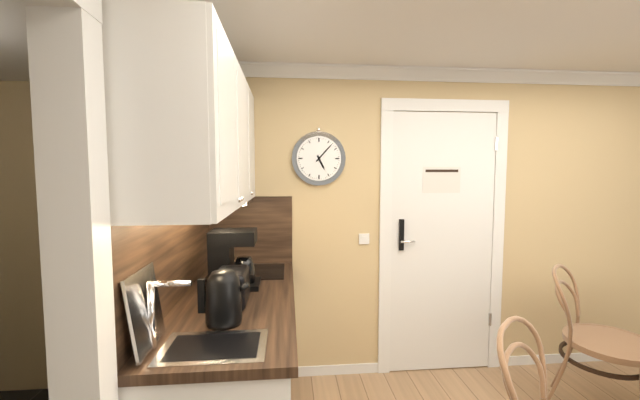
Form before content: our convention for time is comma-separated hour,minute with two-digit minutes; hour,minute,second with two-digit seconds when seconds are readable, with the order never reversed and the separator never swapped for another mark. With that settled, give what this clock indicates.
5,07
